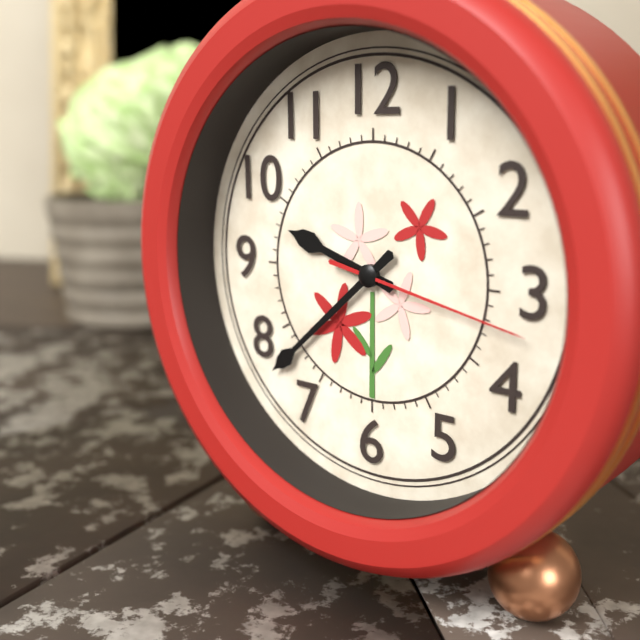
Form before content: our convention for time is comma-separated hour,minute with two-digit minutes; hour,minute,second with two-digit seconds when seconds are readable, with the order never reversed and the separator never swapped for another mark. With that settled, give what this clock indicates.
9,38,17
